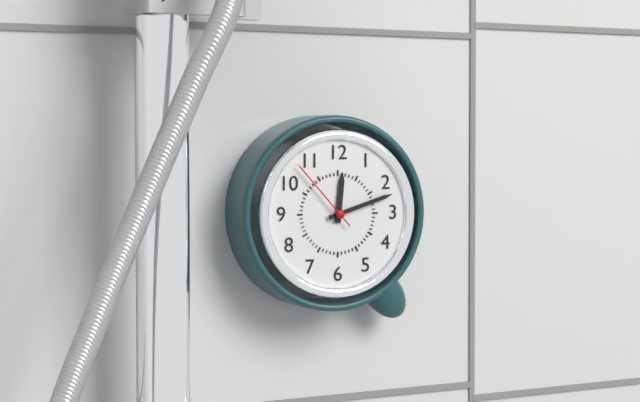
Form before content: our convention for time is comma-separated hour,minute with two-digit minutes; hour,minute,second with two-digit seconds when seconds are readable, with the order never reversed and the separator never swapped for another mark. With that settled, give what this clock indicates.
12,12,53
